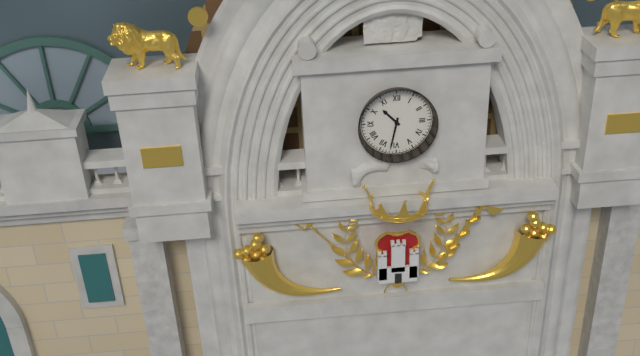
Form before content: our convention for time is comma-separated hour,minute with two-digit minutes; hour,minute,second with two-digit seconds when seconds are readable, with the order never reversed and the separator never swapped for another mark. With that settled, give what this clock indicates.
10,32
